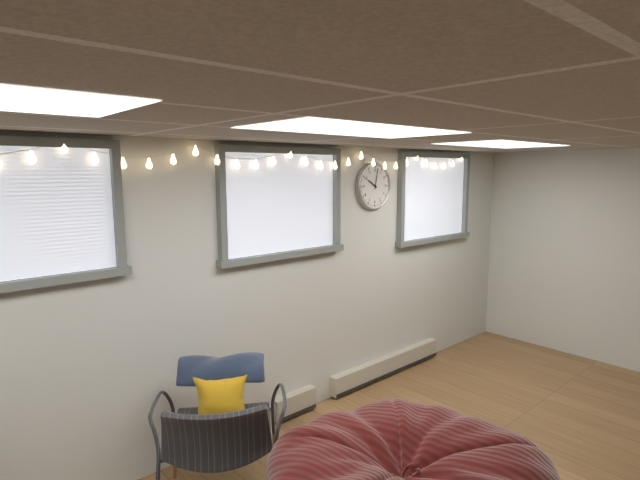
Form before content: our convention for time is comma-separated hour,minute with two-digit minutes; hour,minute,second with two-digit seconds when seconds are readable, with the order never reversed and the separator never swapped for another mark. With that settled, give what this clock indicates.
10,02
